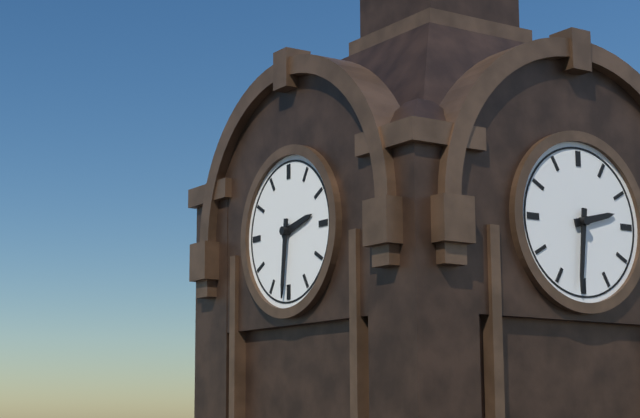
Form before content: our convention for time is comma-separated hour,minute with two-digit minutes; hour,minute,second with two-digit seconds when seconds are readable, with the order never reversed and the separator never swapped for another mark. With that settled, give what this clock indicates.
2,31
